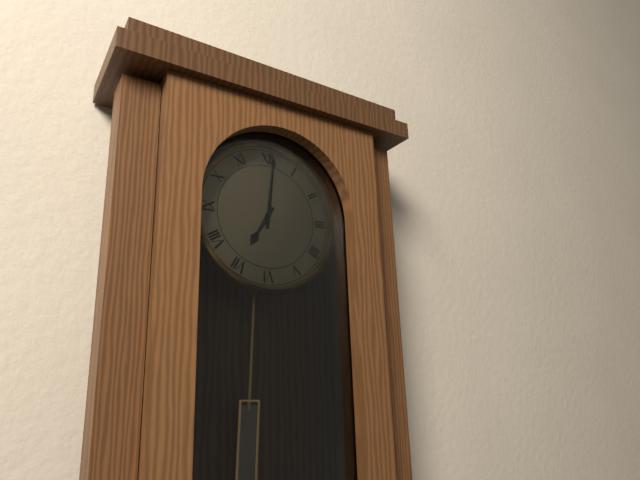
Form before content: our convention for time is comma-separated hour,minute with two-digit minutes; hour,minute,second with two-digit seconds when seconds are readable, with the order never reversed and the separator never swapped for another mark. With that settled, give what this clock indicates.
7,01
